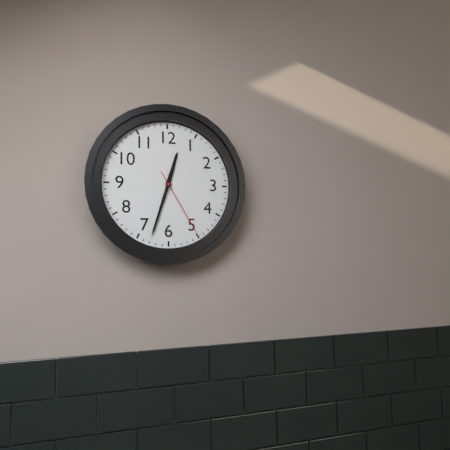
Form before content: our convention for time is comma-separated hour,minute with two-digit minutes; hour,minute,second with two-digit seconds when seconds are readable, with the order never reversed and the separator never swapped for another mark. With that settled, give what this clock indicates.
12,33,25
